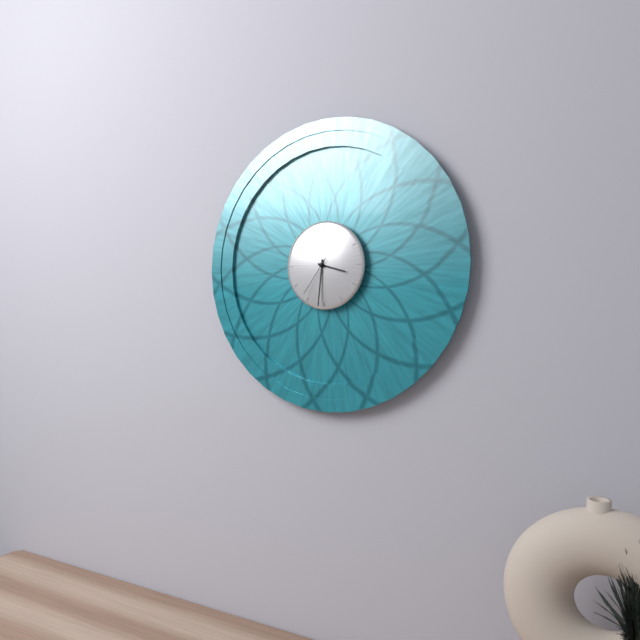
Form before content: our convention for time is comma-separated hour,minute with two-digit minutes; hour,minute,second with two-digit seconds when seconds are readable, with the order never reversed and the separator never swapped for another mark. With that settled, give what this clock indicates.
3,31
